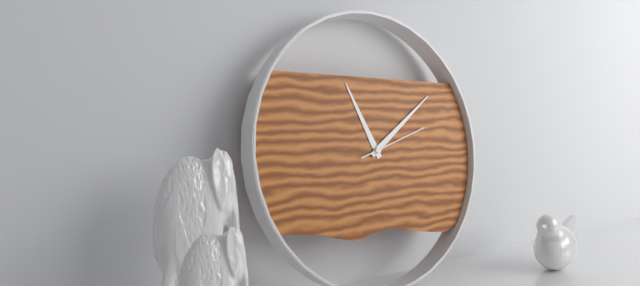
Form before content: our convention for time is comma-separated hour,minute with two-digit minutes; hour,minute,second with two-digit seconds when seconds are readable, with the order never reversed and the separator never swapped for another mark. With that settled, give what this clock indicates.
11,09,12
